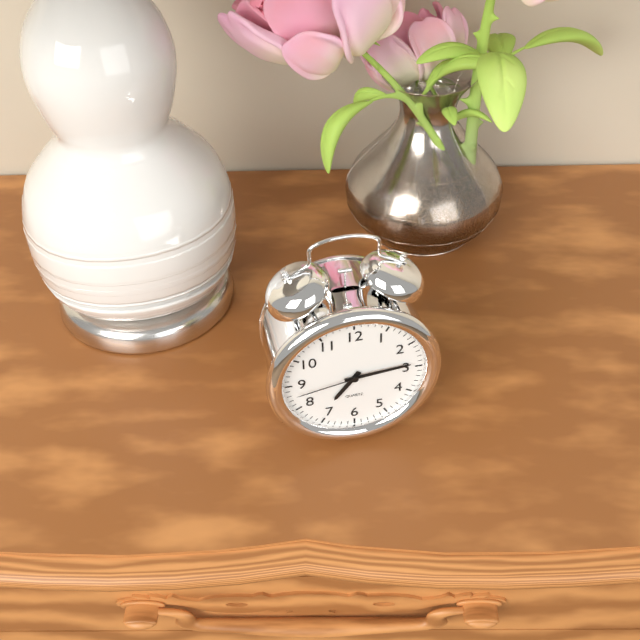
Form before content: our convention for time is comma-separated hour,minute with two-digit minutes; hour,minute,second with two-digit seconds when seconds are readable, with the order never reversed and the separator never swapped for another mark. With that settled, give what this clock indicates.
7,14,43
